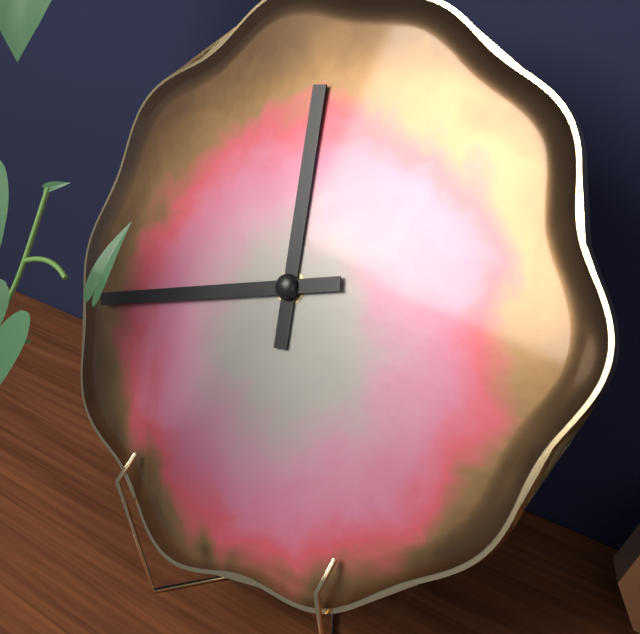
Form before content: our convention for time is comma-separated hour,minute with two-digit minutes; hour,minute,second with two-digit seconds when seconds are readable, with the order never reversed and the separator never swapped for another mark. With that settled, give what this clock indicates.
11,42
